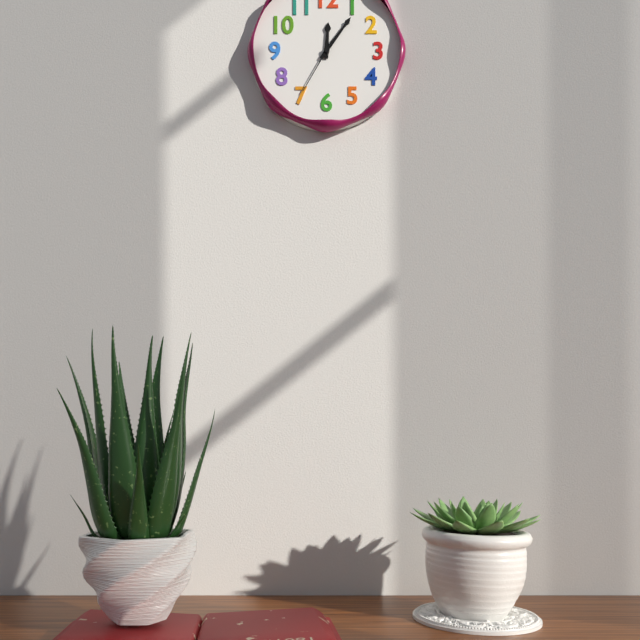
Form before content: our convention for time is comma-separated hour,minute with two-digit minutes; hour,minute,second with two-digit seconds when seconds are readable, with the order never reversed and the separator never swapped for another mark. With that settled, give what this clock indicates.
12,06,35
